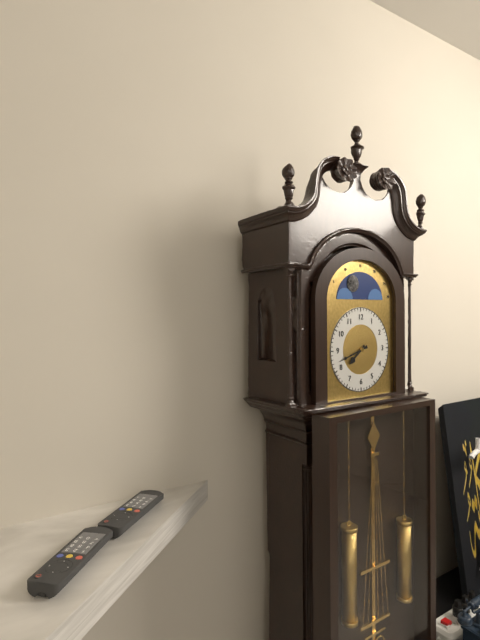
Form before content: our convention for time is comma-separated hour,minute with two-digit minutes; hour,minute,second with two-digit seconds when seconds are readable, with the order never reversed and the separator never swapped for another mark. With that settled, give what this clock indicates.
7,42
